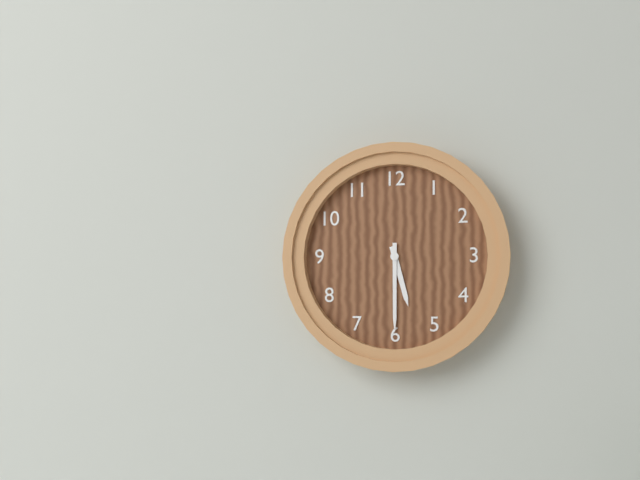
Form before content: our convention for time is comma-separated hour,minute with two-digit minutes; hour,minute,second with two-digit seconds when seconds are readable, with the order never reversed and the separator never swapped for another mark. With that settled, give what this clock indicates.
5,30
